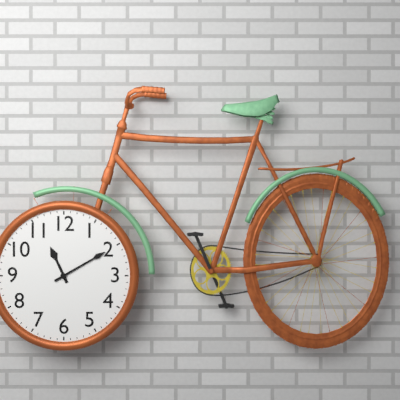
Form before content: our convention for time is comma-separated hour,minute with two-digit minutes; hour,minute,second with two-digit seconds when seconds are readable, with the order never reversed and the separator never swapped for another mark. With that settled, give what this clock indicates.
11,10
